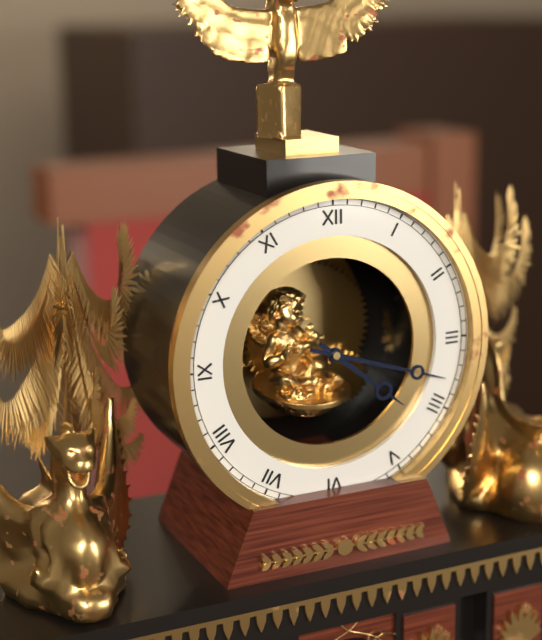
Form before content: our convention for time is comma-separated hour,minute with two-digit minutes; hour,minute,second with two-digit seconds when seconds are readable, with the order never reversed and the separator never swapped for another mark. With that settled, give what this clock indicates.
4,18
